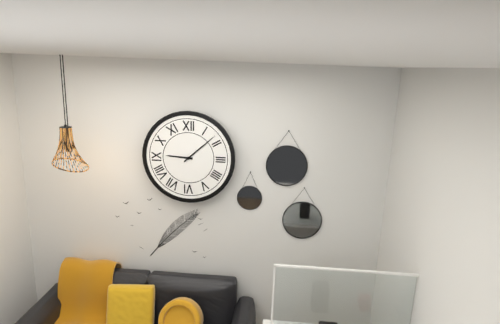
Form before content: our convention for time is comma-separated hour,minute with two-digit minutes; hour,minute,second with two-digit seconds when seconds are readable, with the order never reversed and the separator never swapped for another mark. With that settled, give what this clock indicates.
9,08
